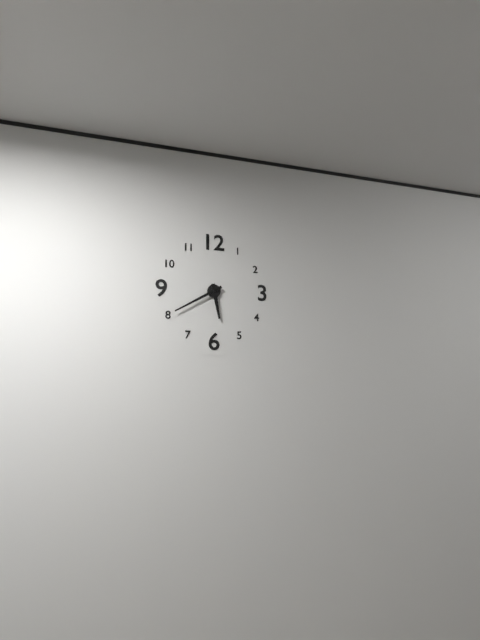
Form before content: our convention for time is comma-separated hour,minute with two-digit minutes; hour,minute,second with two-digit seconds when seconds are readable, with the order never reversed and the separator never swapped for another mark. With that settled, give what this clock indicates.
5,40
